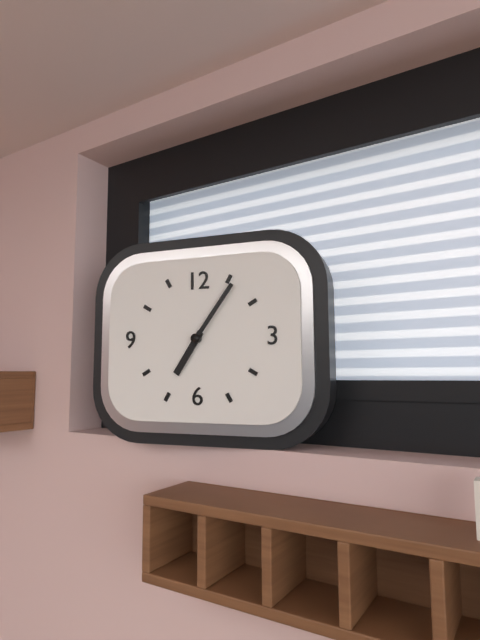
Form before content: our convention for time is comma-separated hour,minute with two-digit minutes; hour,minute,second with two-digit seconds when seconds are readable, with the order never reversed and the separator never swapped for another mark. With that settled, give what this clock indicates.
7,06
